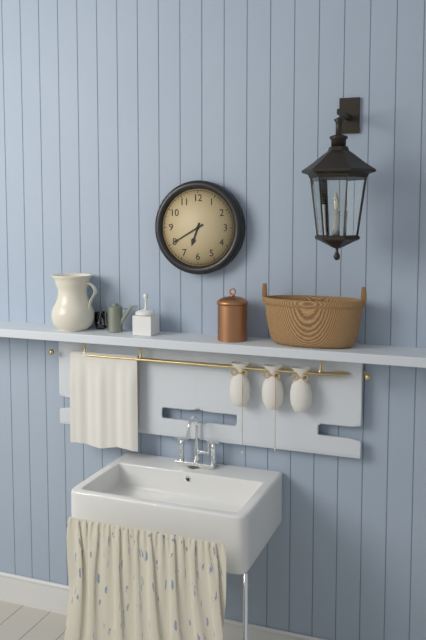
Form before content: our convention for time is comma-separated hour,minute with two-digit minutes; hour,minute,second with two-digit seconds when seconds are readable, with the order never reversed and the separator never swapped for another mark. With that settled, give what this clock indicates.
6,40
